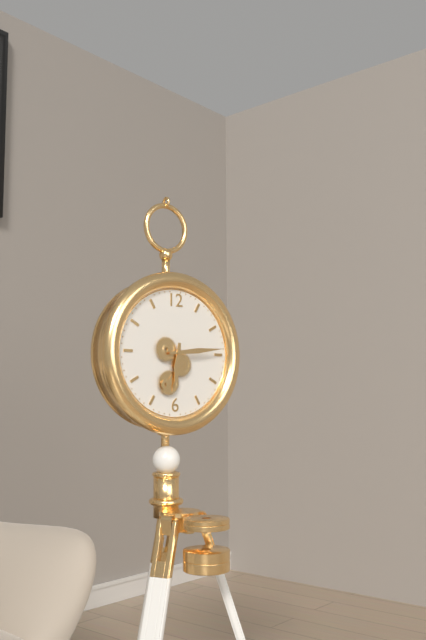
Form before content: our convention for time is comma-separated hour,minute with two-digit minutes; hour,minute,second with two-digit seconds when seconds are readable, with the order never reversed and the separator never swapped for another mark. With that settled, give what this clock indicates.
6,14
